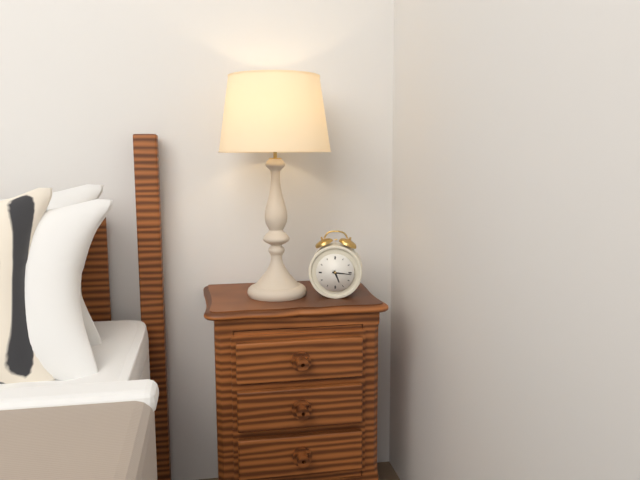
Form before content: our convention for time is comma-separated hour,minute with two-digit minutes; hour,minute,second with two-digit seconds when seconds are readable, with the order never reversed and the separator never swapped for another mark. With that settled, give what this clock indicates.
5,16
